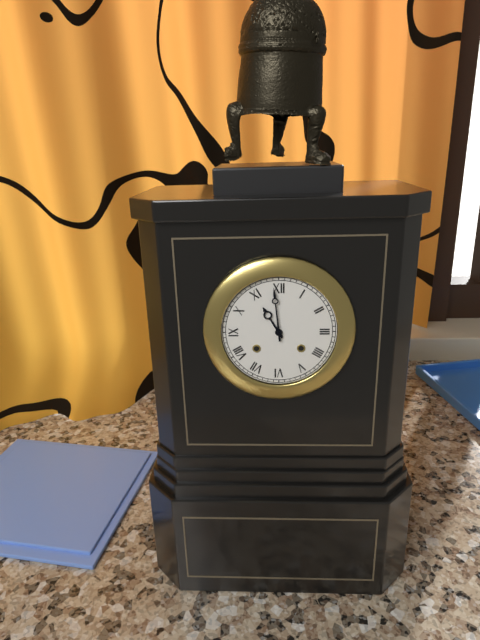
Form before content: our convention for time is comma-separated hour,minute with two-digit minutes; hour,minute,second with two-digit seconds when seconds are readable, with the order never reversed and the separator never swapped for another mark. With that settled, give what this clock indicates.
10,59
